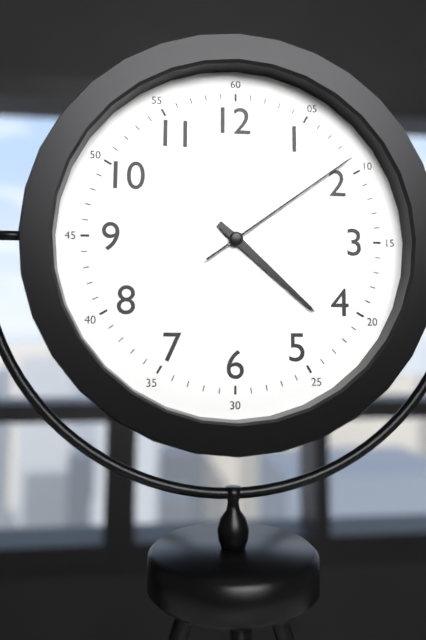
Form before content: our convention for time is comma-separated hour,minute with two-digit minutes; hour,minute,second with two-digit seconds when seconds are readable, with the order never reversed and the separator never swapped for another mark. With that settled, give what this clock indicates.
4,22,09
